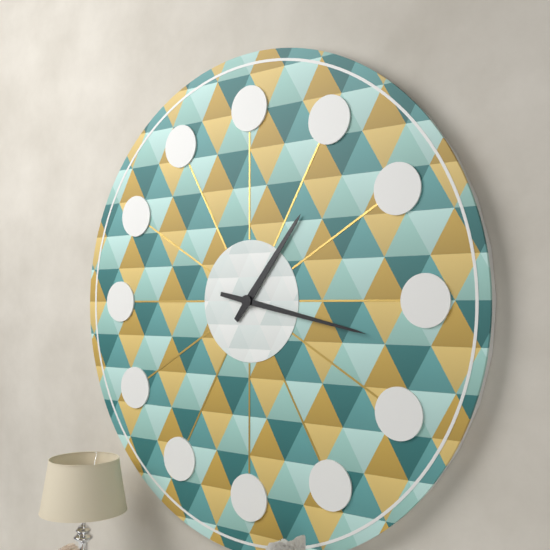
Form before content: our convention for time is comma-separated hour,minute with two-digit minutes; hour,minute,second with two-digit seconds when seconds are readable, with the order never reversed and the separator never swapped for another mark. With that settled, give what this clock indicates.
1,17
